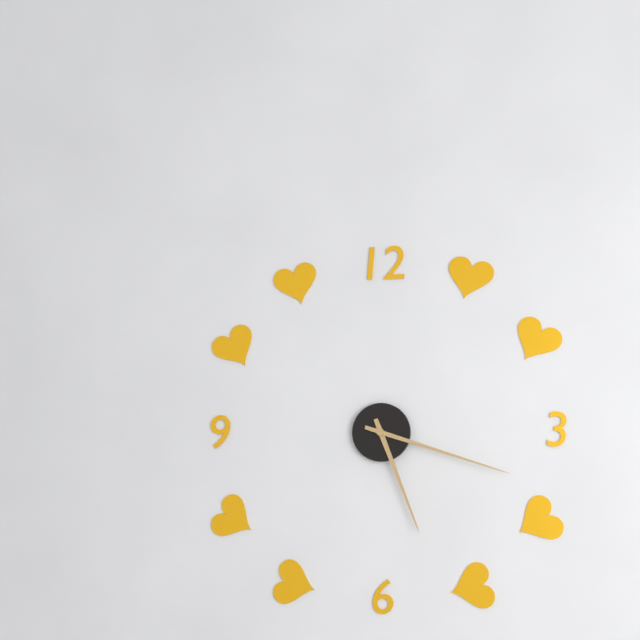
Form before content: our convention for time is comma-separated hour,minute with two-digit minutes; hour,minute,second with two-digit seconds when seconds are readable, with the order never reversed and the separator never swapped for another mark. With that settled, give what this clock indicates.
5,18
